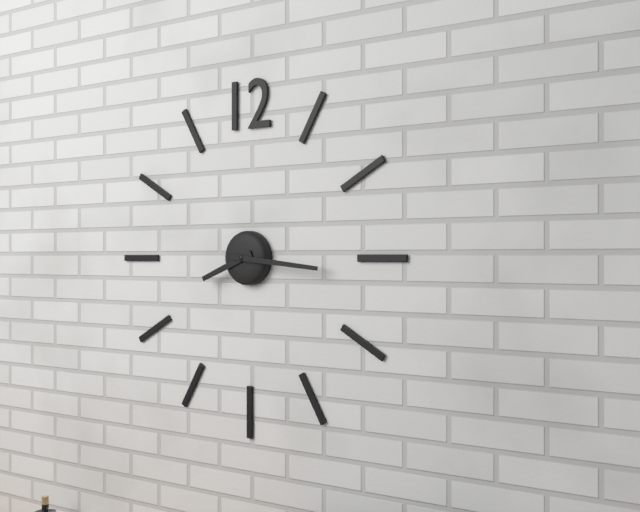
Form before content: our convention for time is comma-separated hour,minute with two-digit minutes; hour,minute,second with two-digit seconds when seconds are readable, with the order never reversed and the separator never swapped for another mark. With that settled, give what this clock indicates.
8,16
